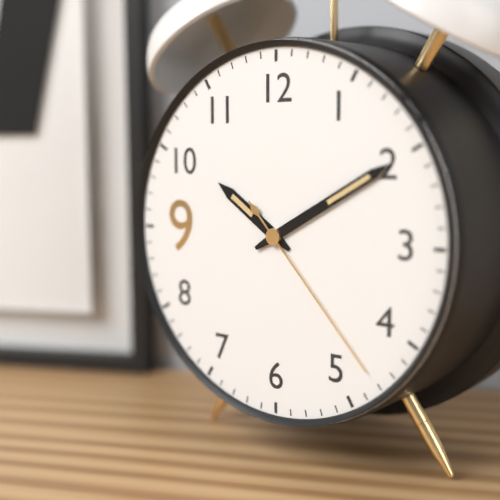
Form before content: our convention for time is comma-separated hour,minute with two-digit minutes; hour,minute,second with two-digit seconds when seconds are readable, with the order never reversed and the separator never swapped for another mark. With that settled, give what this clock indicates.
10,10,23
